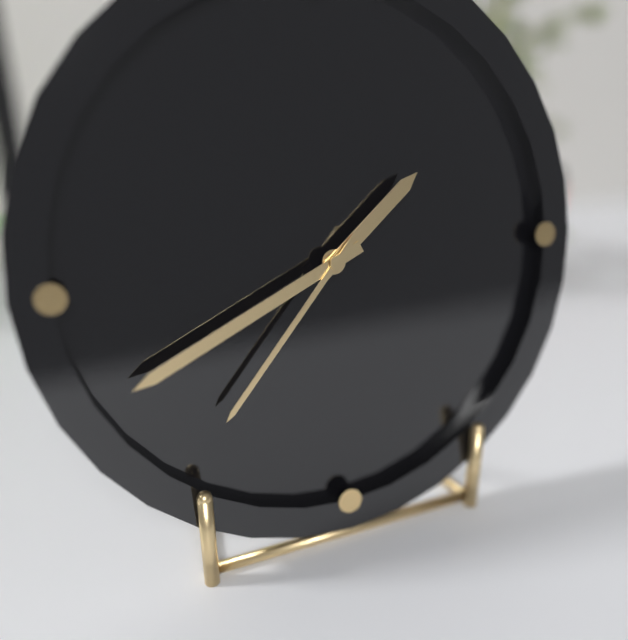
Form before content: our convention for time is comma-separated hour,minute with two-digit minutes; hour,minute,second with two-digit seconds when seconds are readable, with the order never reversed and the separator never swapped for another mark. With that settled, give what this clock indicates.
1,41,37
